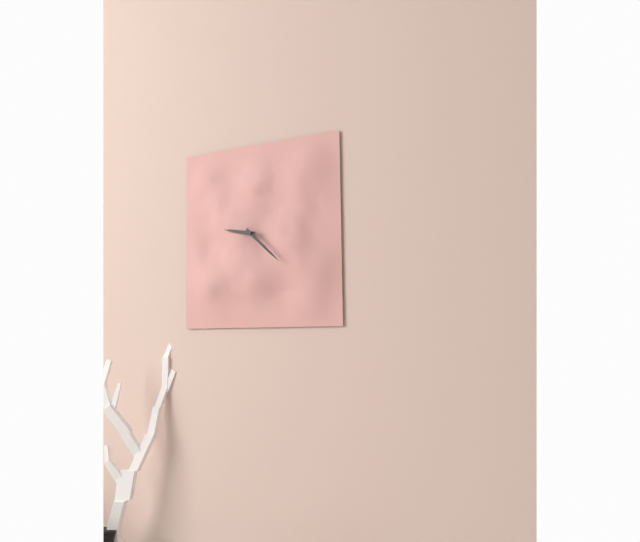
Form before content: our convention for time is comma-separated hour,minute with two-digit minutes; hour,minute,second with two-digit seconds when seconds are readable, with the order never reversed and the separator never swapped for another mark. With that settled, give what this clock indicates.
9,22
